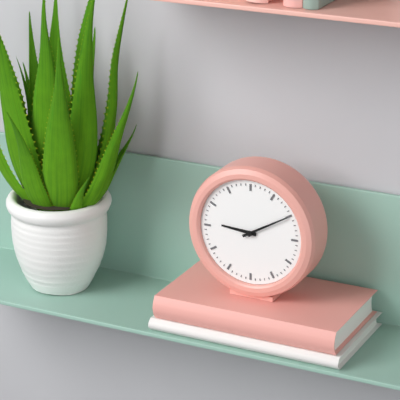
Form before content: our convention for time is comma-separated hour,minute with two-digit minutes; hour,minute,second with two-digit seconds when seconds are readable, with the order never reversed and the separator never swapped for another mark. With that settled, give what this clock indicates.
9,10
